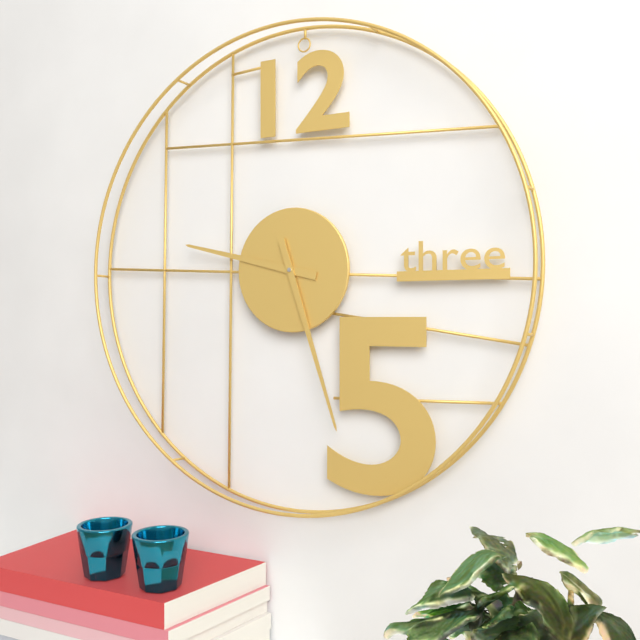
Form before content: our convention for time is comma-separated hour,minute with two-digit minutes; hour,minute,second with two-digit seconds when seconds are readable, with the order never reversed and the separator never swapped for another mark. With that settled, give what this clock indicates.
9,27
